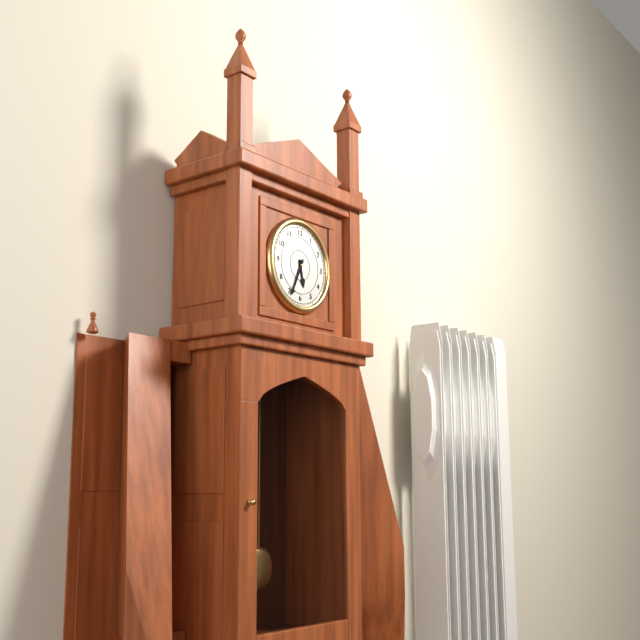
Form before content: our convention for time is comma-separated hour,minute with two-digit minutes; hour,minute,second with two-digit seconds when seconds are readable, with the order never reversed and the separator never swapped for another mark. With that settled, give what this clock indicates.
5,34
